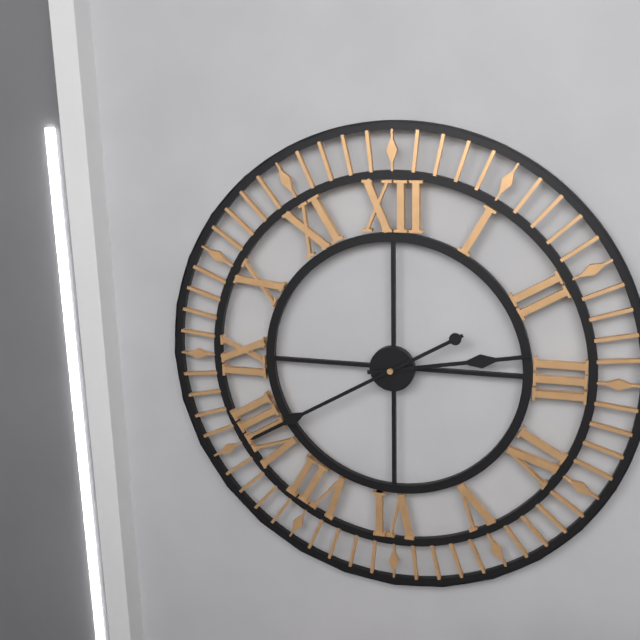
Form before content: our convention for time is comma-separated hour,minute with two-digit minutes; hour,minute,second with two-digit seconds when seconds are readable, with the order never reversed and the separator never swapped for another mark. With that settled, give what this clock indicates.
2,40
